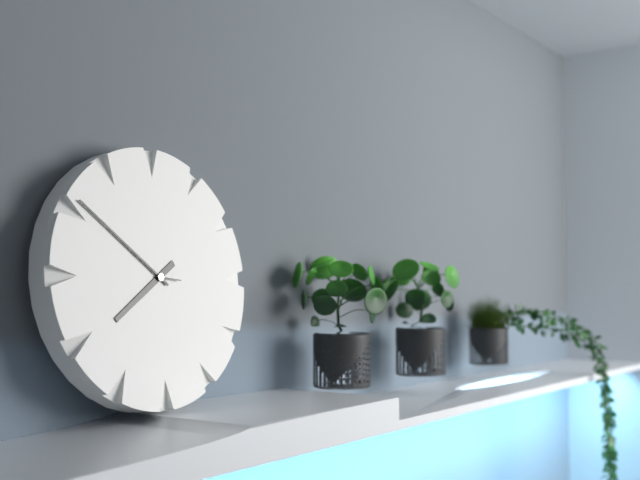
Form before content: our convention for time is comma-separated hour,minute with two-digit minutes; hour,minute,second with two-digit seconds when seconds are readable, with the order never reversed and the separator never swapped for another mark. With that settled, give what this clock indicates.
7,51
